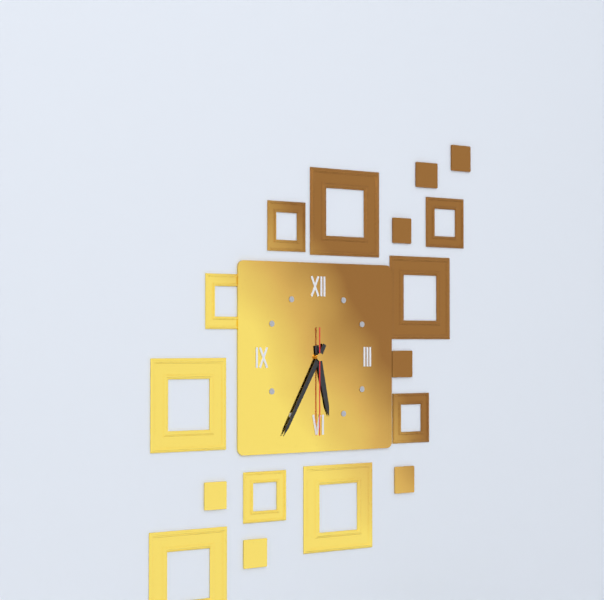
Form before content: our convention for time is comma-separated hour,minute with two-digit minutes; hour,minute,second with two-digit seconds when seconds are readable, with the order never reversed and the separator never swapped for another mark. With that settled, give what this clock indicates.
5,35,30
